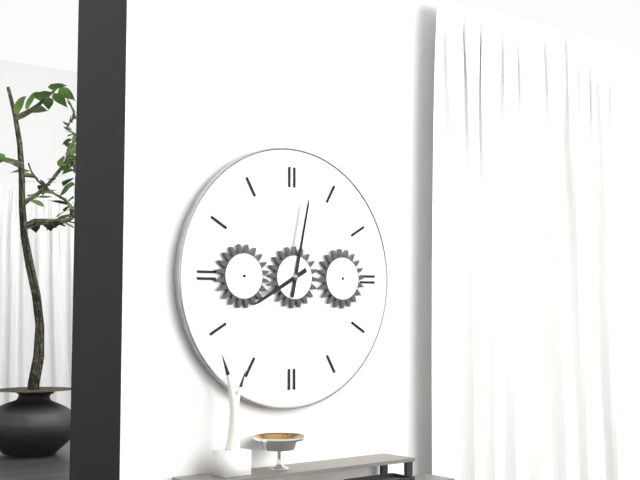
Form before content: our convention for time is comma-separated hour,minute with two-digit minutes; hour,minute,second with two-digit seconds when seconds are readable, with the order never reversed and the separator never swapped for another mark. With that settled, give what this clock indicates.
8,02
